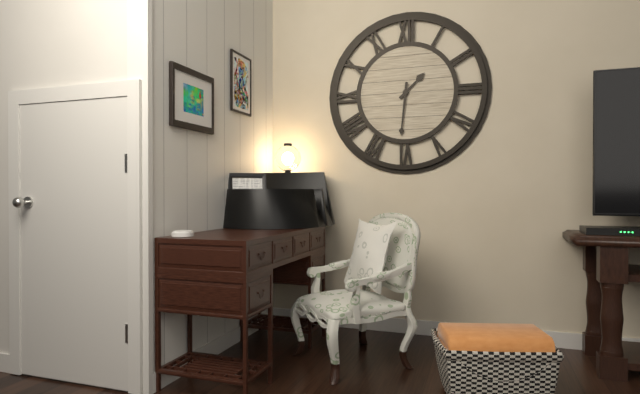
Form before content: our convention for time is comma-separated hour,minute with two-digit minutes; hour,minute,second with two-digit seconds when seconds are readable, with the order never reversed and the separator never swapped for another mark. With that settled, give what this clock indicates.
1,31
